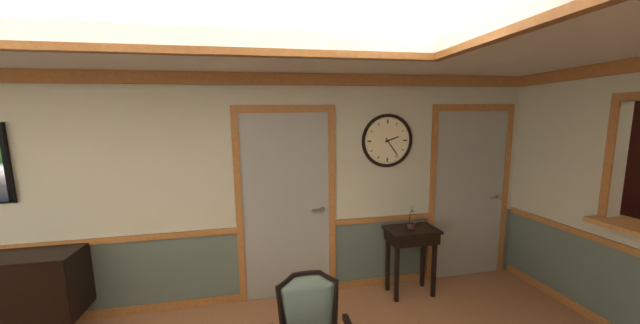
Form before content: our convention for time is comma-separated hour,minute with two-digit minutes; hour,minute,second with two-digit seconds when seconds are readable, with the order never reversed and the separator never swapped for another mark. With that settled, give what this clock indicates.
2,24
